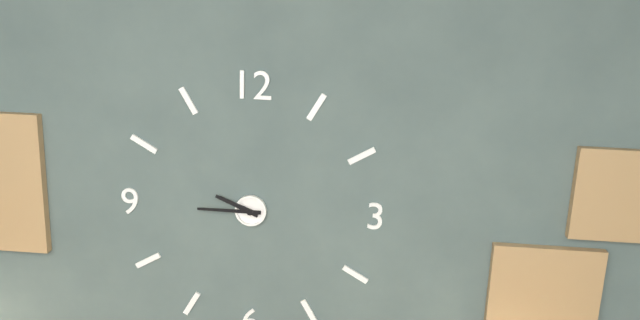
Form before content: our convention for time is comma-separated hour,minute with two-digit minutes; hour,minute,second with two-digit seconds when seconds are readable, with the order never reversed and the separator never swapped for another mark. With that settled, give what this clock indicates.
9,45
